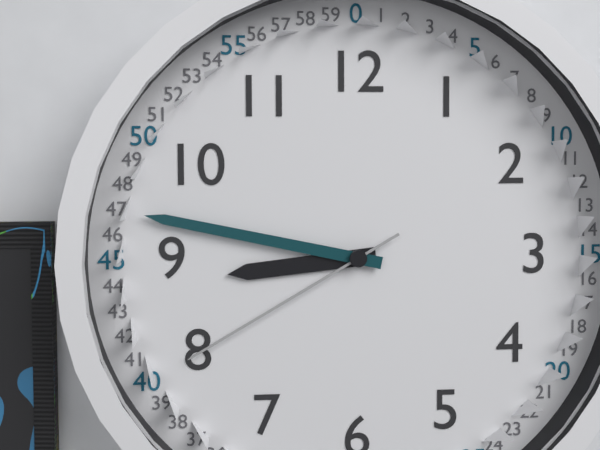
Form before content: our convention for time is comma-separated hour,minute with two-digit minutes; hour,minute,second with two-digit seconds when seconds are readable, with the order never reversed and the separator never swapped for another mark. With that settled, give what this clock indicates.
8,47,40
